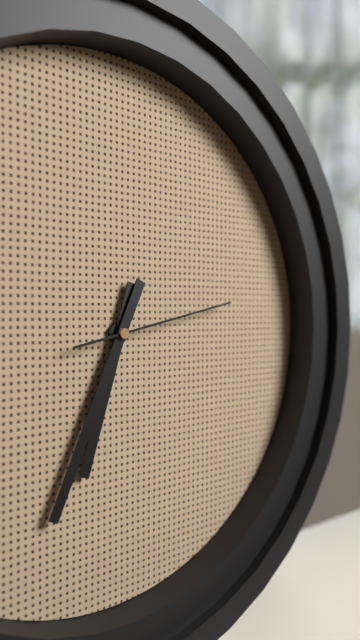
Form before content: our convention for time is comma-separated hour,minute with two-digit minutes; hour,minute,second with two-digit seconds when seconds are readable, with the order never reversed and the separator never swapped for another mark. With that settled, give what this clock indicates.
6,34,13
